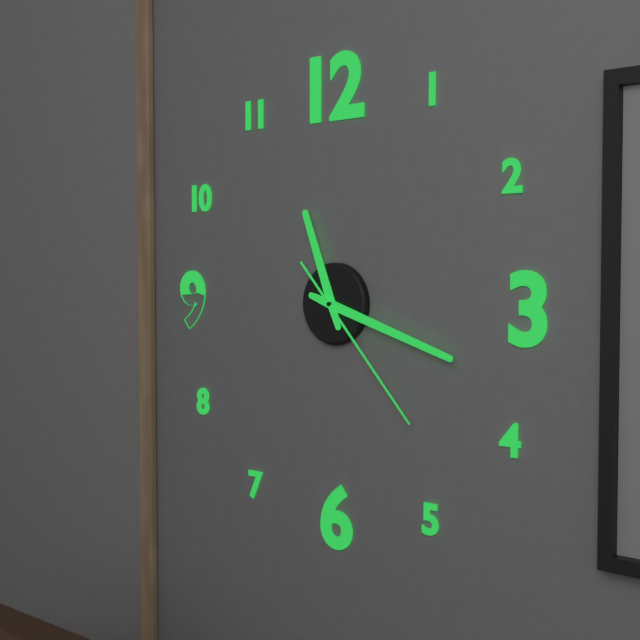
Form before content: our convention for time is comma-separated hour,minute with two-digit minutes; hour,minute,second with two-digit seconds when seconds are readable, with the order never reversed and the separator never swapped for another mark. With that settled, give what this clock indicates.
11,18,23
